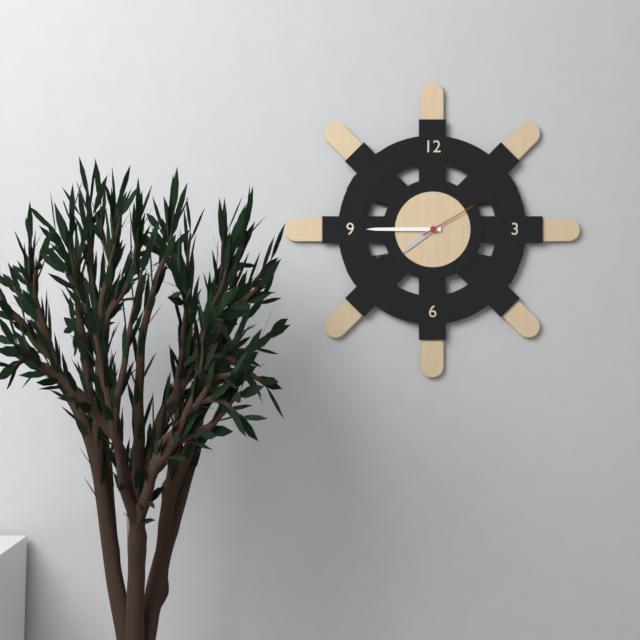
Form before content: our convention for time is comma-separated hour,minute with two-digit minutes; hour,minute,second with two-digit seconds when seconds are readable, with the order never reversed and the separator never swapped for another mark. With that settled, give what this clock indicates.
7,45,10
